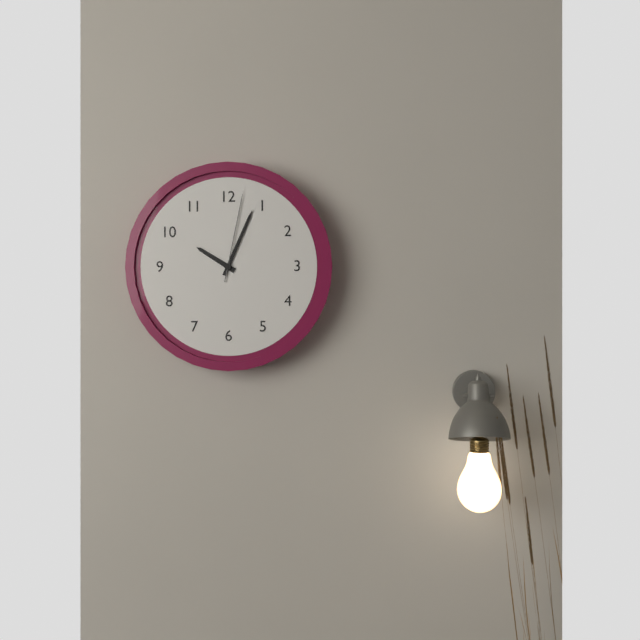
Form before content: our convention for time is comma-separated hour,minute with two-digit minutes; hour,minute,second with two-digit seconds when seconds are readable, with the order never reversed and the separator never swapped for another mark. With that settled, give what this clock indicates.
10,04,02
